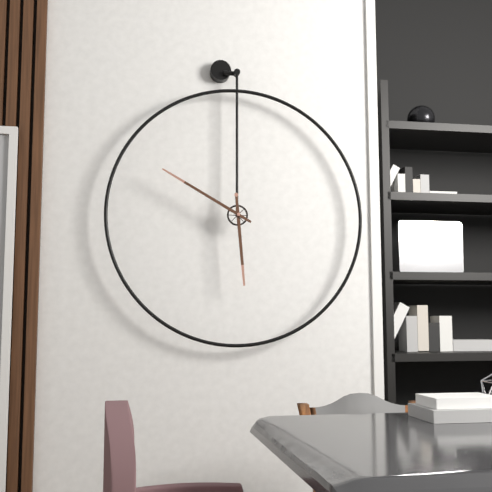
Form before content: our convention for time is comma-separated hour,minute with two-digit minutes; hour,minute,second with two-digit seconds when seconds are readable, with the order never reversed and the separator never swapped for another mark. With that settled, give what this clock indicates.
5,50
